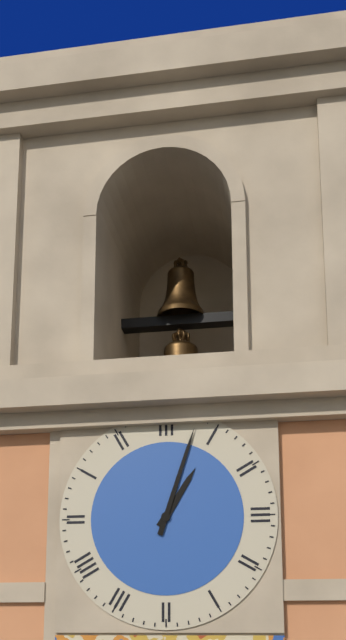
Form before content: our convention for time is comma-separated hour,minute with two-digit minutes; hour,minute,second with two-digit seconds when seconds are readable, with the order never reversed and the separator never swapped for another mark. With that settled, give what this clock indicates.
1,03
